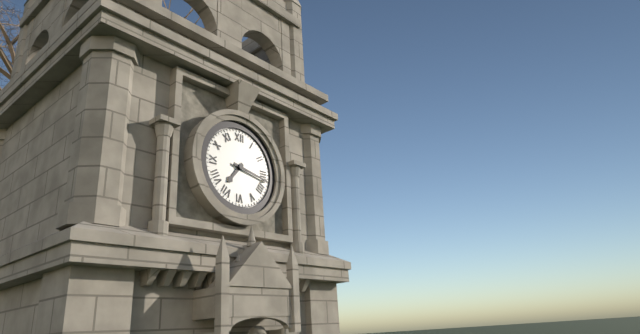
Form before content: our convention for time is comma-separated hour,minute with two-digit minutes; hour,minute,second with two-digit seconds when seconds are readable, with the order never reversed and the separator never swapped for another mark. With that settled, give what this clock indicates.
7,17
